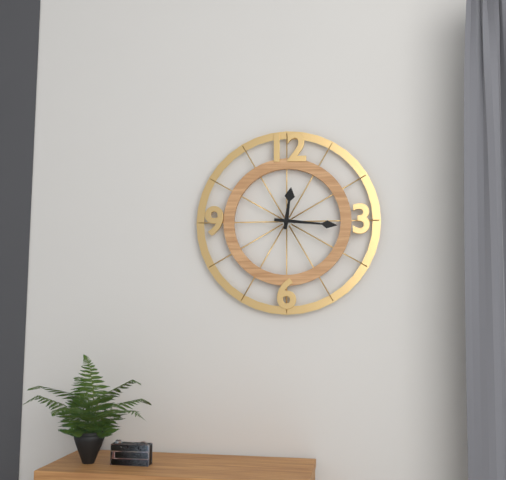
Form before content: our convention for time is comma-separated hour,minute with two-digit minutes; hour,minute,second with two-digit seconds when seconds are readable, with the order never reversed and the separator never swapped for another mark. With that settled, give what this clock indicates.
12,16
